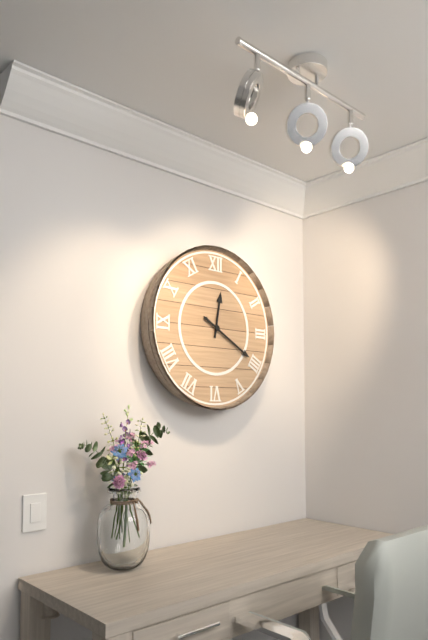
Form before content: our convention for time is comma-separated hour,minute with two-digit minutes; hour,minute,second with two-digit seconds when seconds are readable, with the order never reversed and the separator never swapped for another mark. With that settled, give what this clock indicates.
12,20
